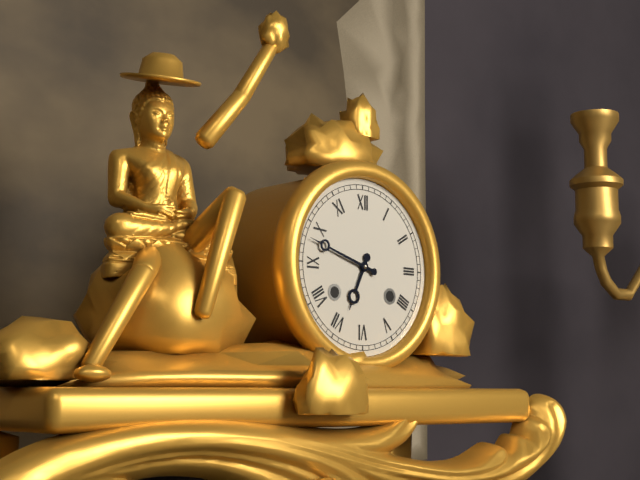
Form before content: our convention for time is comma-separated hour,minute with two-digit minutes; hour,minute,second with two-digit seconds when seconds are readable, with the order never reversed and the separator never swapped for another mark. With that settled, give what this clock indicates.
6,48
